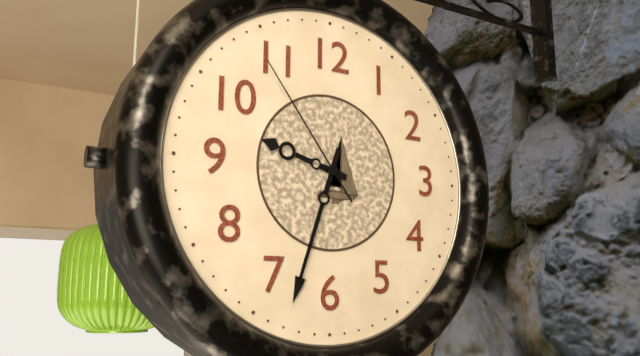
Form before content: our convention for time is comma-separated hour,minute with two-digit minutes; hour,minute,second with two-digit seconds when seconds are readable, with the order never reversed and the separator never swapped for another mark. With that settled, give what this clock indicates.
9,33,54
